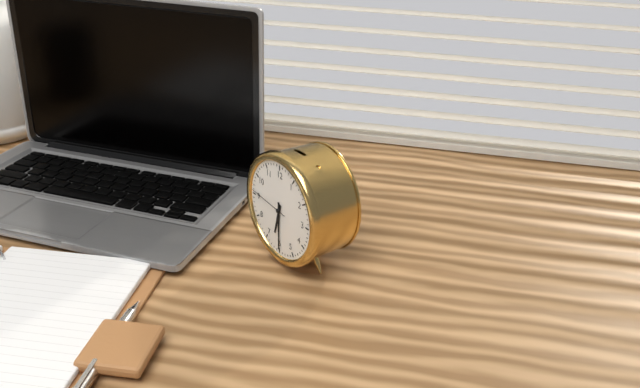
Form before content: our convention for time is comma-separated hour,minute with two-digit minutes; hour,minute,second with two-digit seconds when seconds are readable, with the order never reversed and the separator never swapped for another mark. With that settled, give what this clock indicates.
6,30
